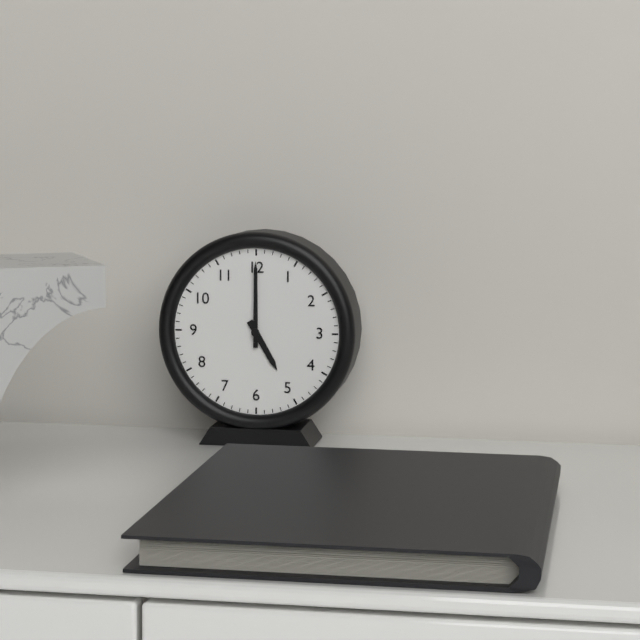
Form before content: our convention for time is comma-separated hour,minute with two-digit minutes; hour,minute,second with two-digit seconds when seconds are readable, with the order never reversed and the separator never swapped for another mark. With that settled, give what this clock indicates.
5,00
